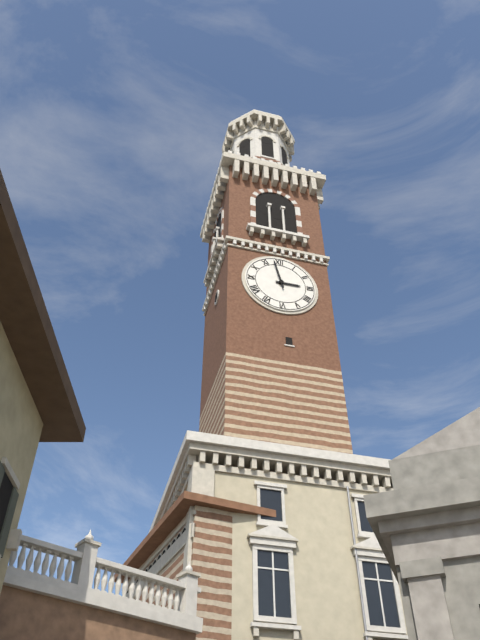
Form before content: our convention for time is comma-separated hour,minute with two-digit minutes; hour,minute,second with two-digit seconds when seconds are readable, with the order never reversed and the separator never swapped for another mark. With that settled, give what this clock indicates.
2,58
